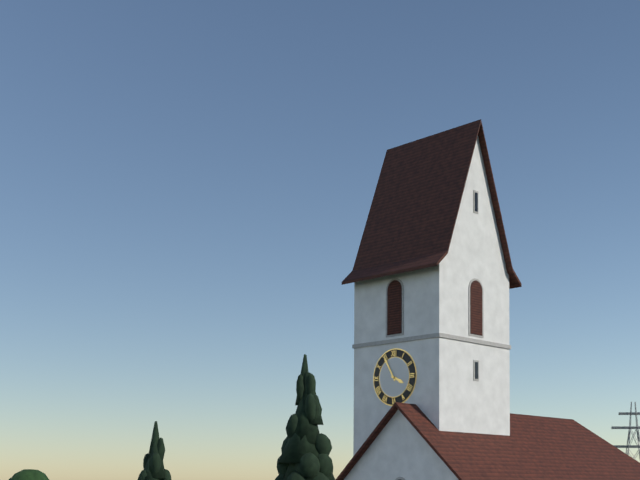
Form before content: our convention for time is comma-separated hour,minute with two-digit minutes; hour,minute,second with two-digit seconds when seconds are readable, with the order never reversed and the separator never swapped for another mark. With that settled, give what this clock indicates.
3,55
